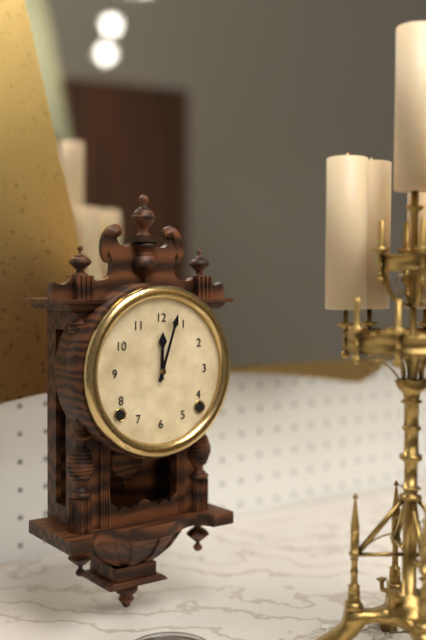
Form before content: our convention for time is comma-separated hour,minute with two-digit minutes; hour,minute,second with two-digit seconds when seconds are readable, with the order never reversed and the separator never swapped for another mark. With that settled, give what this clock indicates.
12,03
